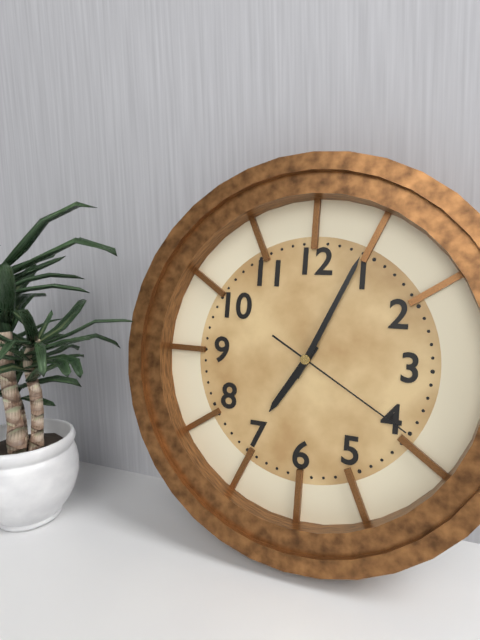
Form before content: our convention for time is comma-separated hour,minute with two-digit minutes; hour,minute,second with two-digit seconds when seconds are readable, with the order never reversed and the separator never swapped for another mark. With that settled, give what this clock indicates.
7,04,20
